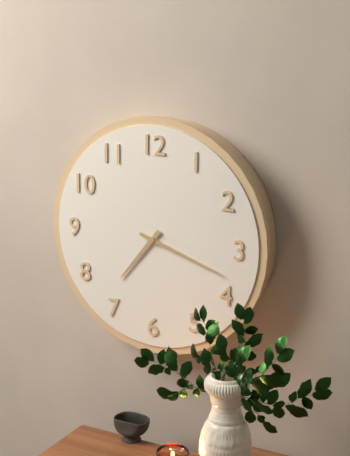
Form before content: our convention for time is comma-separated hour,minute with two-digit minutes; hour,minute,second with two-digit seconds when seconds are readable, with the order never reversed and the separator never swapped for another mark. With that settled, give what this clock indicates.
7,18
